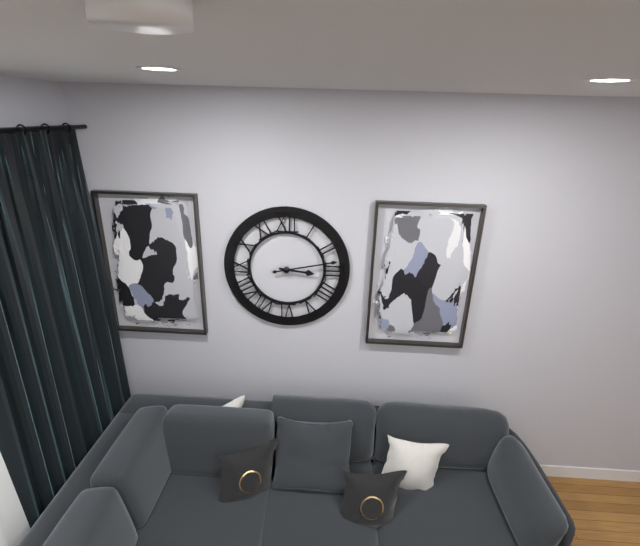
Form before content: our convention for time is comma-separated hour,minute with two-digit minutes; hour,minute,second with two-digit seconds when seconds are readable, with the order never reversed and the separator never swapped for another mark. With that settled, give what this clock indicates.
3,13
